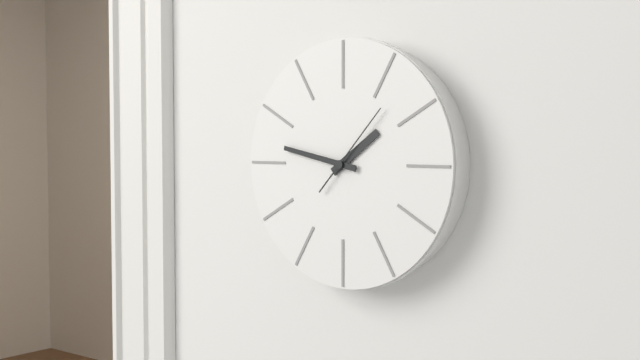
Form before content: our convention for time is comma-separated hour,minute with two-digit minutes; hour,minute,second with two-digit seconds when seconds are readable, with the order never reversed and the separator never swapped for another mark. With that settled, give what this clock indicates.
1,47,07
